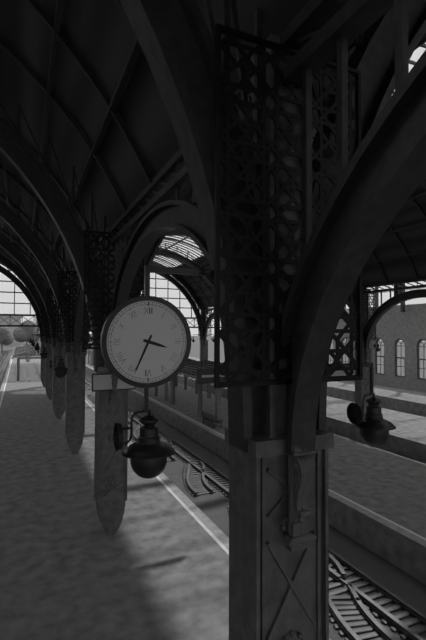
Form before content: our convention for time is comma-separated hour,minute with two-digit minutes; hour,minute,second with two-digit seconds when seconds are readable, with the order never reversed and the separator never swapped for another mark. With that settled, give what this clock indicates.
3,34
